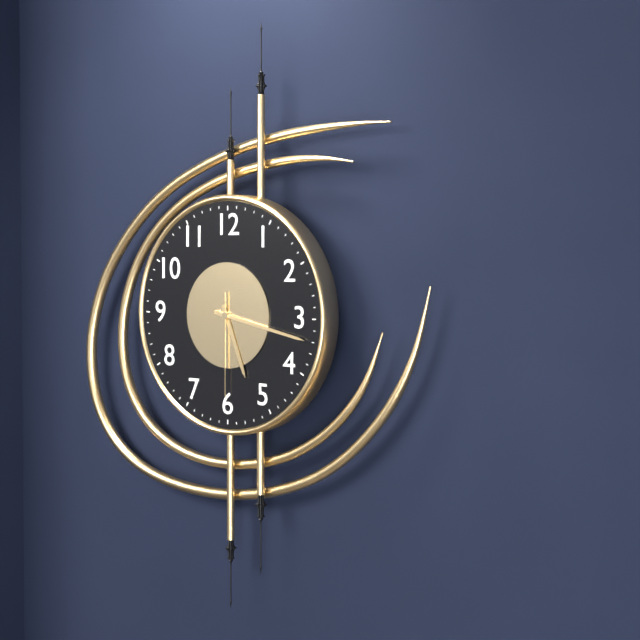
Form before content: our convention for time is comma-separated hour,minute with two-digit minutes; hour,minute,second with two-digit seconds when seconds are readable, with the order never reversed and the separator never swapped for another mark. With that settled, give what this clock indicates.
5,17,30
